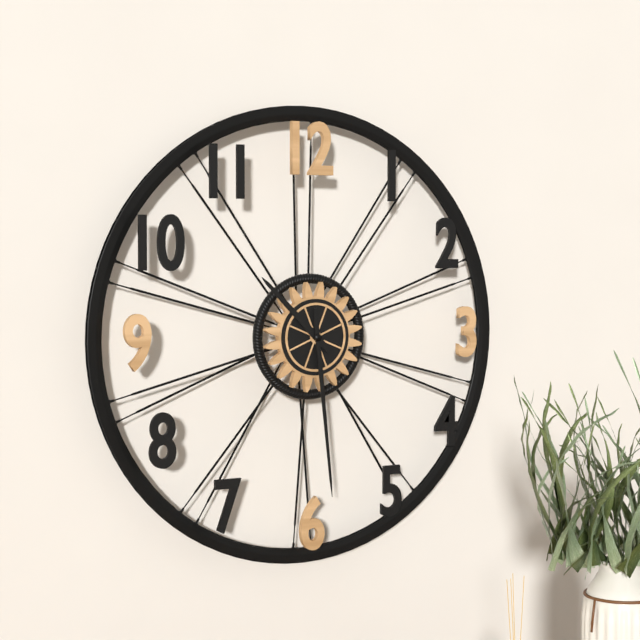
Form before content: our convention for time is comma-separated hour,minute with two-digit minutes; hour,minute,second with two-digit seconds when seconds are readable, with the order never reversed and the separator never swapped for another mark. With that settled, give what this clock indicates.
10,29
